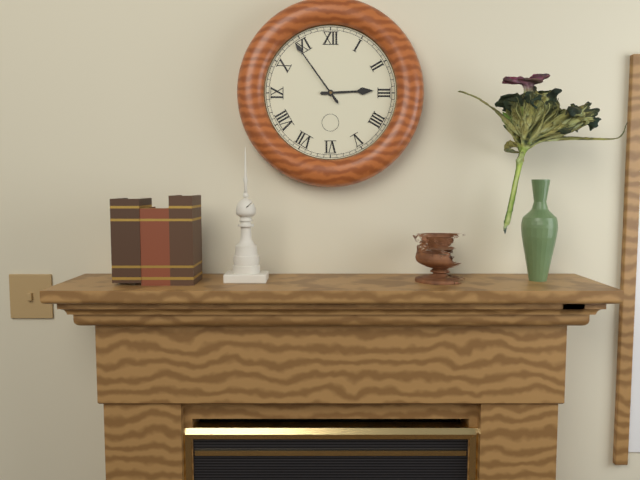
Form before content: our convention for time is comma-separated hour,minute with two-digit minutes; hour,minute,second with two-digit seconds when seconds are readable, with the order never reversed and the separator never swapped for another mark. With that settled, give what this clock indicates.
2,54
